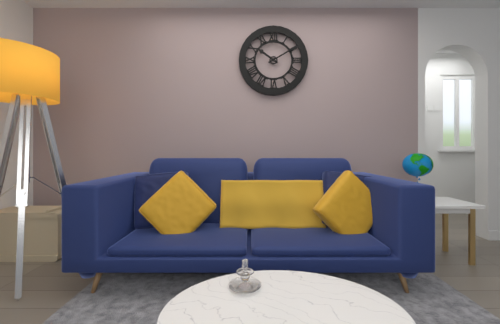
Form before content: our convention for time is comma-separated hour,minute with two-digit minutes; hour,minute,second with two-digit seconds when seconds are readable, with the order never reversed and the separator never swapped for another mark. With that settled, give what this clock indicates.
10,10
